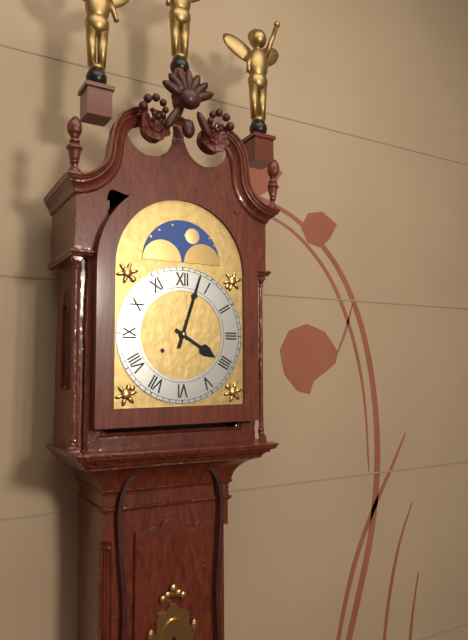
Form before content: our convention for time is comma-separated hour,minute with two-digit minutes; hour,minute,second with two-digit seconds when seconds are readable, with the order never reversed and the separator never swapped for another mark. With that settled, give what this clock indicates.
4,03
